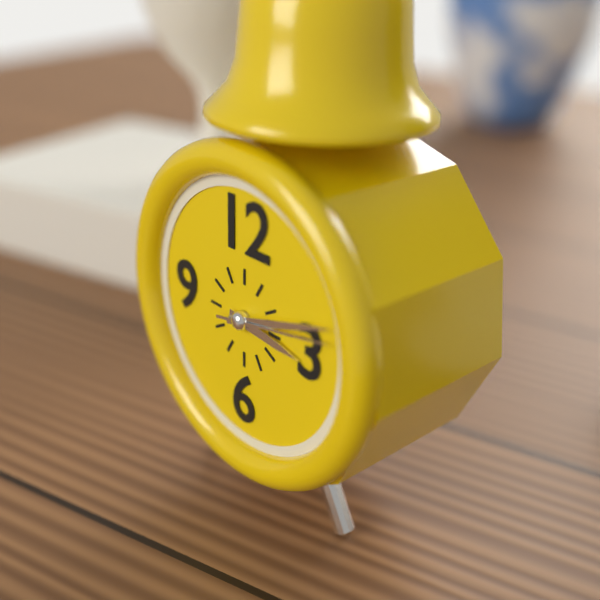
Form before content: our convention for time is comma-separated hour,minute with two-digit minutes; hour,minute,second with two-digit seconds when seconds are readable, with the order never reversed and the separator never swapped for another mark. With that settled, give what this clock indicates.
3,12,13
